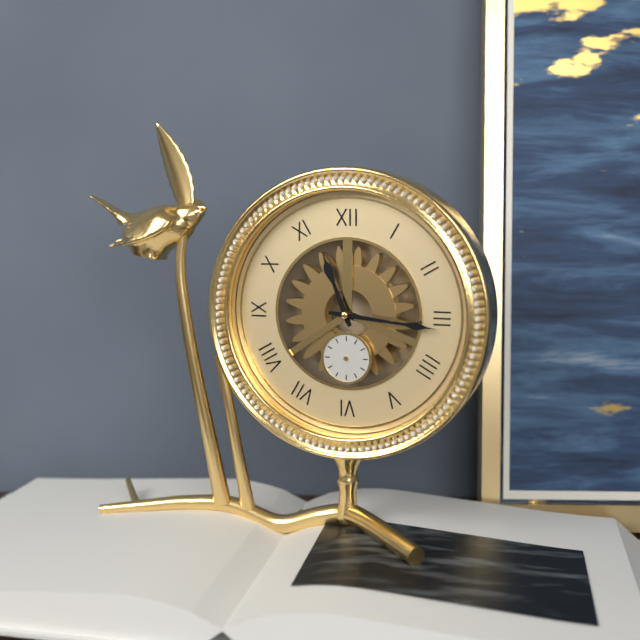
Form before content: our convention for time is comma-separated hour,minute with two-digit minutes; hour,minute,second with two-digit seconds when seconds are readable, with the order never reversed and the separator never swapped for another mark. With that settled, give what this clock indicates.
11,16
